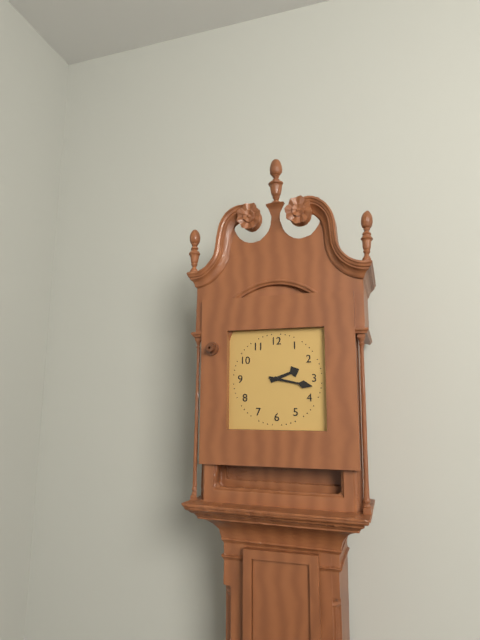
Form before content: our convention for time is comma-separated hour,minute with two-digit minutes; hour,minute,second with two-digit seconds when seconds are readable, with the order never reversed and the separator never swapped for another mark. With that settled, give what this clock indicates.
2,17
